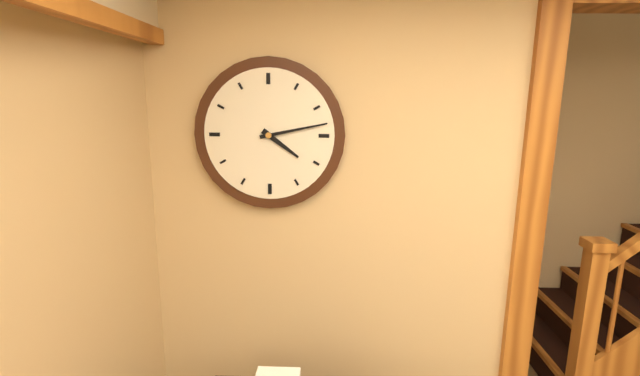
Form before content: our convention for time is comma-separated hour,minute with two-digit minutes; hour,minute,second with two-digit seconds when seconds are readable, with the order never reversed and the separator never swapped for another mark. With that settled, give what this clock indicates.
4,13
